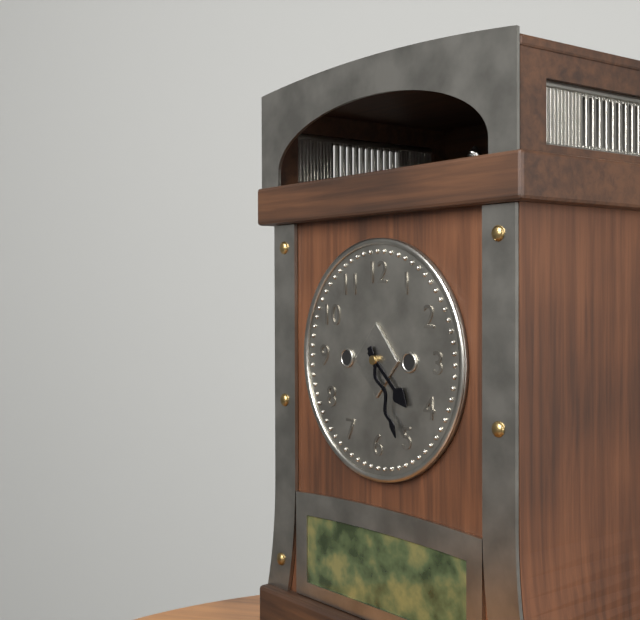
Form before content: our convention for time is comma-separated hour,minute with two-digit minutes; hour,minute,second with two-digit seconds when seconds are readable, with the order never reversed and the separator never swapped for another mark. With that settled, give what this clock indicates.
4,26
